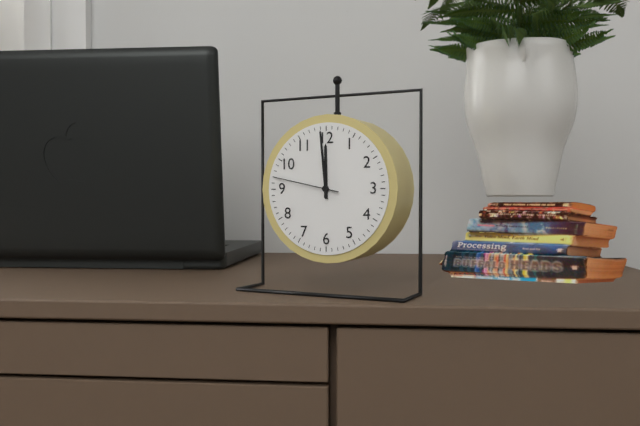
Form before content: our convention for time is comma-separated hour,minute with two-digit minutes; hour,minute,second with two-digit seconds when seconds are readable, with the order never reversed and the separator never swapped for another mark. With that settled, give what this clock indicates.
11,59,47
